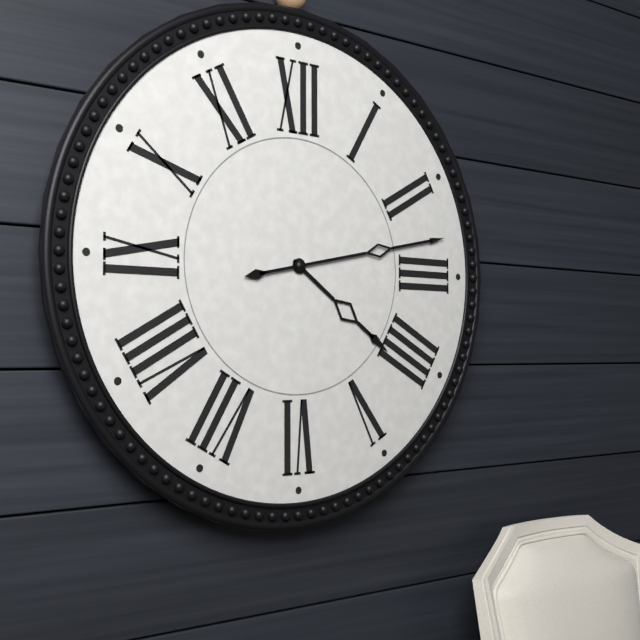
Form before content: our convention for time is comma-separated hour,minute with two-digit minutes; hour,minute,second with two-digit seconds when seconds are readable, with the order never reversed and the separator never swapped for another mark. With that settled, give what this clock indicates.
4,13
